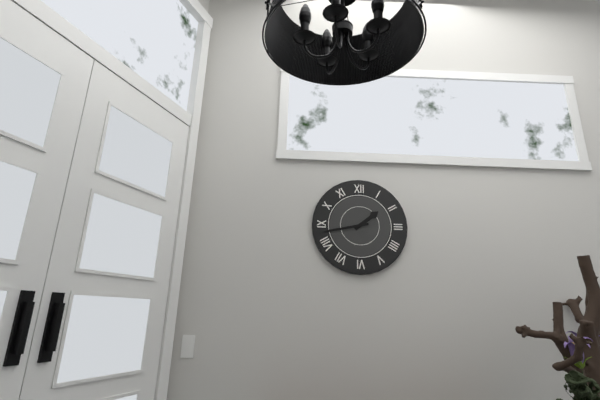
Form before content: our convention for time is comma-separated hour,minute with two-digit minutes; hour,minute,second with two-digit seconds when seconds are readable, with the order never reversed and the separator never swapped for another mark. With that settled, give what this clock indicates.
1,43
